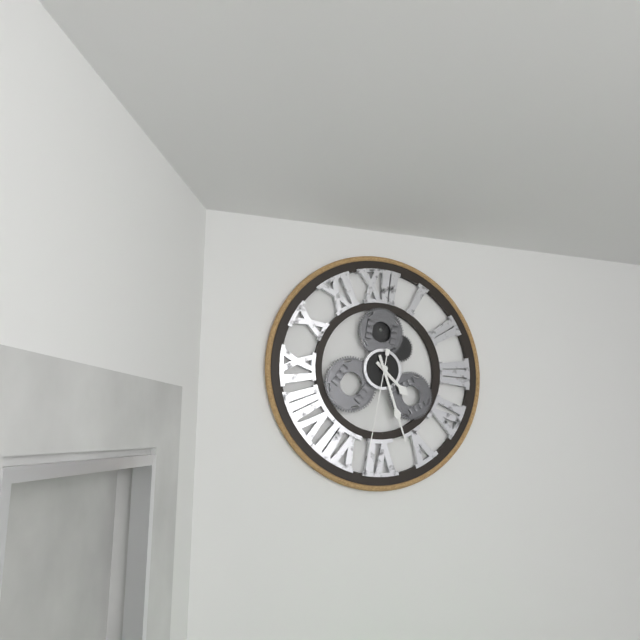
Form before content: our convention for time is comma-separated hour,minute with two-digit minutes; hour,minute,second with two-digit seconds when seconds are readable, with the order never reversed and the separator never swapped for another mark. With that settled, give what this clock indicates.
4,27,32
